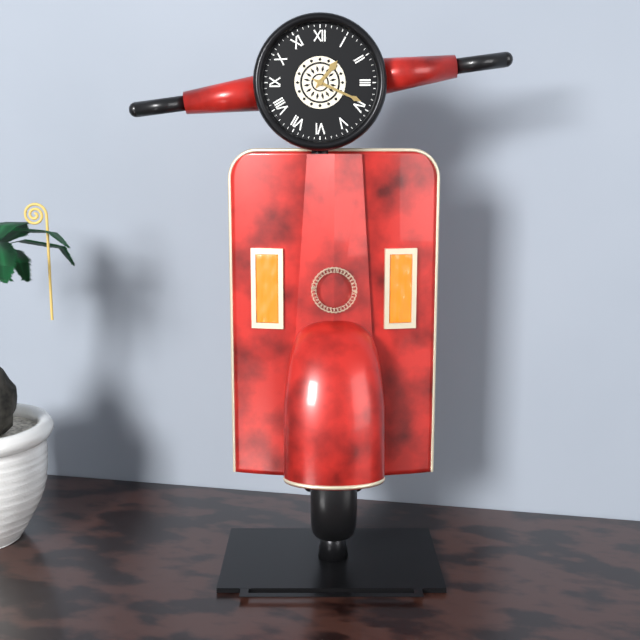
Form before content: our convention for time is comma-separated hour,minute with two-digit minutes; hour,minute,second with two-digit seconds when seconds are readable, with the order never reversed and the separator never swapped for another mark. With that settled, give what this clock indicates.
1,19
